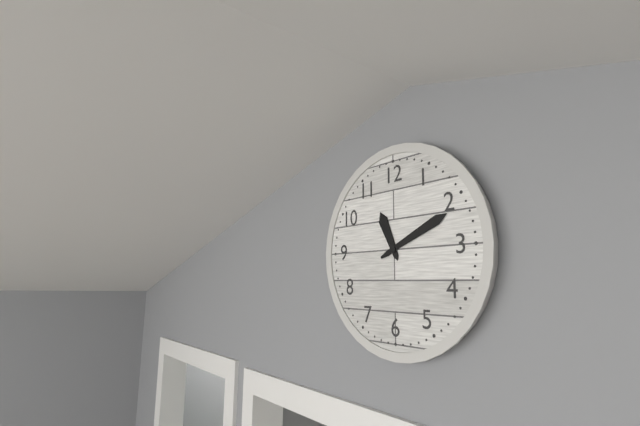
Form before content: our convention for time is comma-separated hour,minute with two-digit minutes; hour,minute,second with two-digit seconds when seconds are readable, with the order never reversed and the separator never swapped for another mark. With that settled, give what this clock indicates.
11,11
